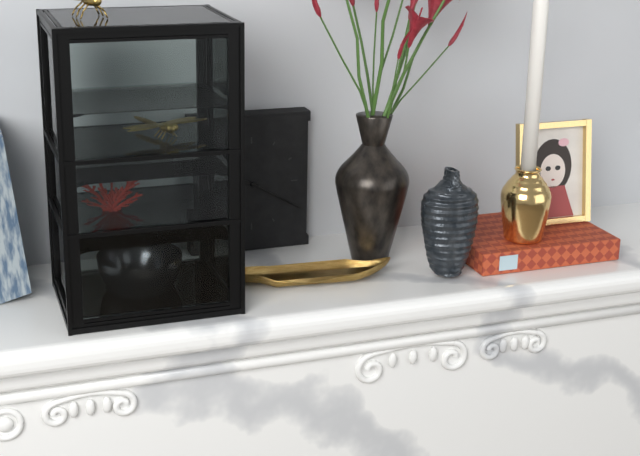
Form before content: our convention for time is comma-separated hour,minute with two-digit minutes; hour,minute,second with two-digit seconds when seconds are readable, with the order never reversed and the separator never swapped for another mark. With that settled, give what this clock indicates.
9,20
